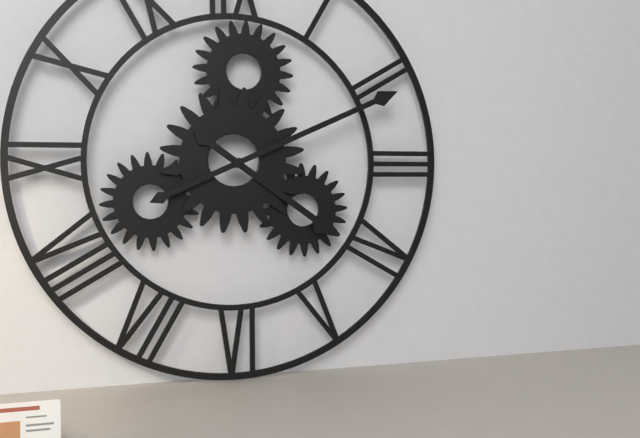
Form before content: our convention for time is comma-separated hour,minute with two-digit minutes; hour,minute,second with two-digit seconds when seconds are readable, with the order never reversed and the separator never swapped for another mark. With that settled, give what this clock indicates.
4,11
